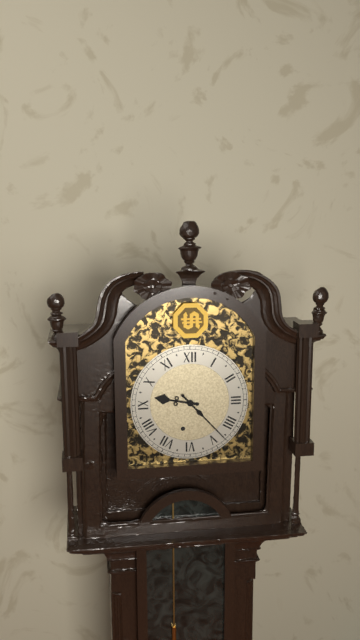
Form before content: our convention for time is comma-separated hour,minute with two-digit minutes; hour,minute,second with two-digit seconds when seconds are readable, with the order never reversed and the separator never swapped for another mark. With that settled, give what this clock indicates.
9,23
